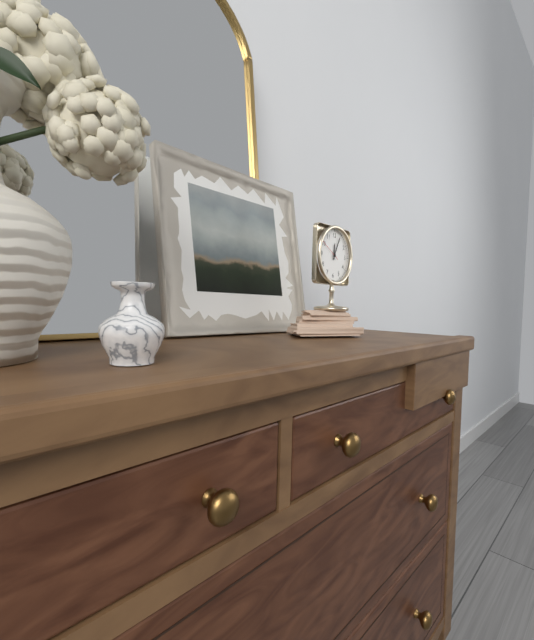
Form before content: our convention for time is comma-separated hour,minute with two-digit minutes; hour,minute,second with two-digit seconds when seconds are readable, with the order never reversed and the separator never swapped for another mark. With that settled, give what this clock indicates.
12,04
